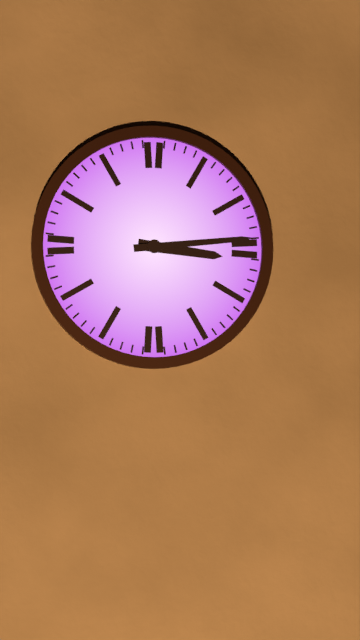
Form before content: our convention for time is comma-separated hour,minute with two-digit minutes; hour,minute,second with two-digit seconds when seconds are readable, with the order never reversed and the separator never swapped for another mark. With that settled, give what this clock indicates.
3,14
